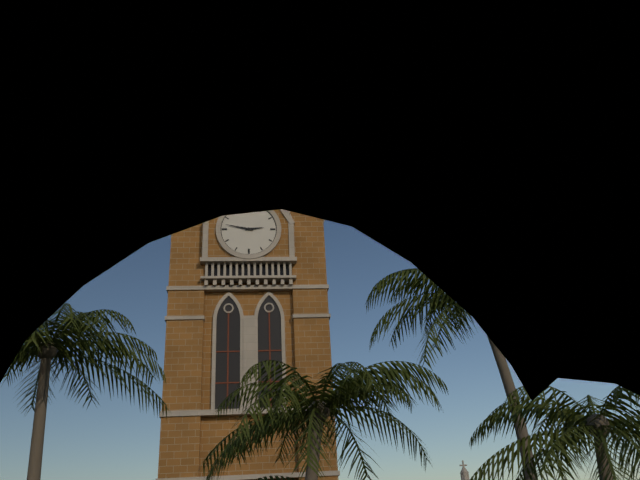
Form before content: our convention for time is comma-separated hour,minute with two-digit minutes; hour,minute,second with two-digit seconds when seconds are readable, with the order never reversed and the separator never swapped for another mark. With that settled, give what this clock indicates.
2,47
